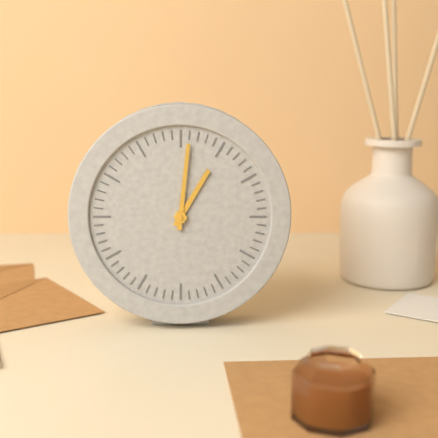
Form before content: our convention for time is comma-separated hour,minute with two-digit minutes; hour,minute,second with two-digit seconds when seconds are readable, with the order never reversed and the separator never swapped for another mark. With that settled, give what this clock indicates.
1,01
